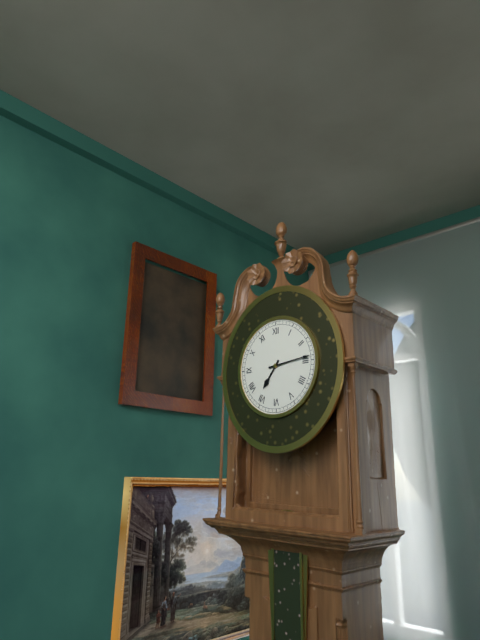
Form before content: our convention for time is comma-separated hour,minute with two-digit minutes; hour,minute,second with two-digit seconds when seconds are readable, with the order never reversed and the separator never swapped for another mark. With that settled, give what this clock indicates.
7,14
